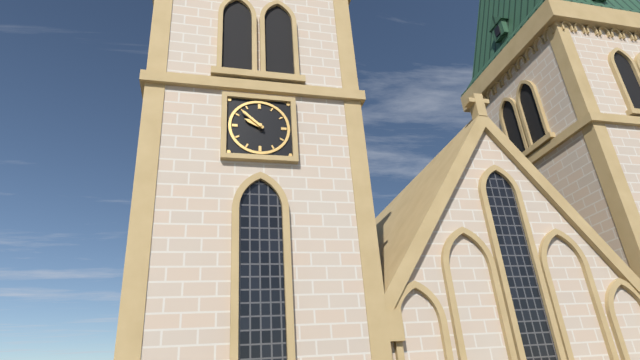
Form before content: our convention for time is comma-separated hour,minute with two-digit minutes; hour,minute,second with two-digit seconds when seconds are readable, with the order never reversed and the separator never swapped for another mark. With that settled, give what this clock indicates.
9,52
